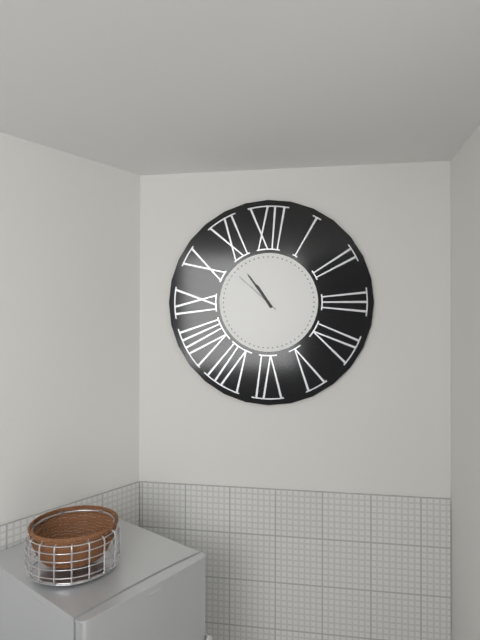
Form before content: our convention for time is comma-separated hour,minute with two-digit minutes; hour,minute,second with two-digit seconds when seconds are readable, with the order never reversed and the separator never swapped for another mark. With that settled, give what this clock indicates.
10,54
